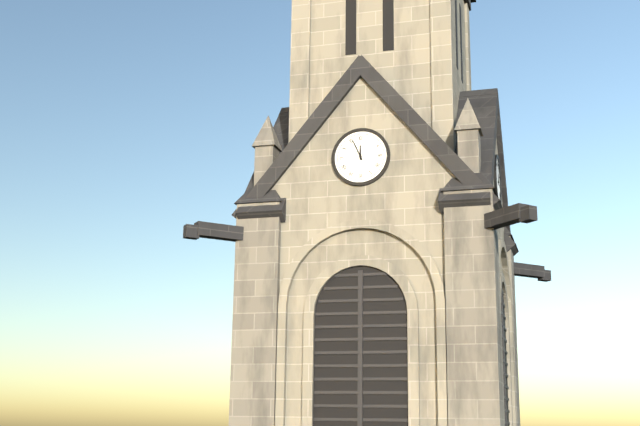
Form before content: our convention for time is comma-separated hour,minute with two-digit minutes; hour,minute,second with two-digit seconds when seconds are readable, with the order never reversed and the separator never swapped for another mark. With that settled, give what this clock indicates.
11,56
